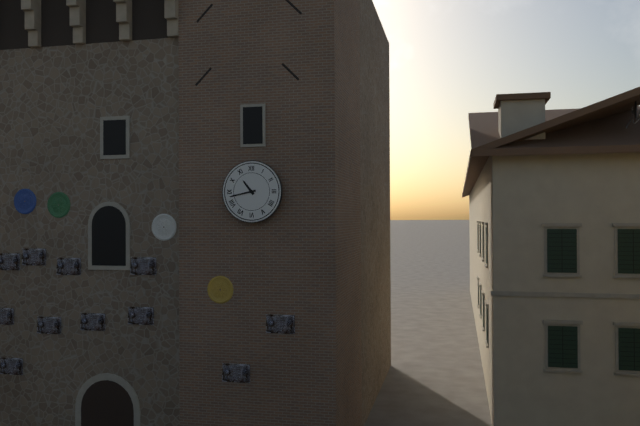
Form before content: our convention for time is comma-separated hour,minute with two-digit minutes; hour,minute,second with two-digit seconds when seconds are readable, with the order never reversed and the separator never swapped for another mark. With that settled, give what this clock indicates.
10,43
